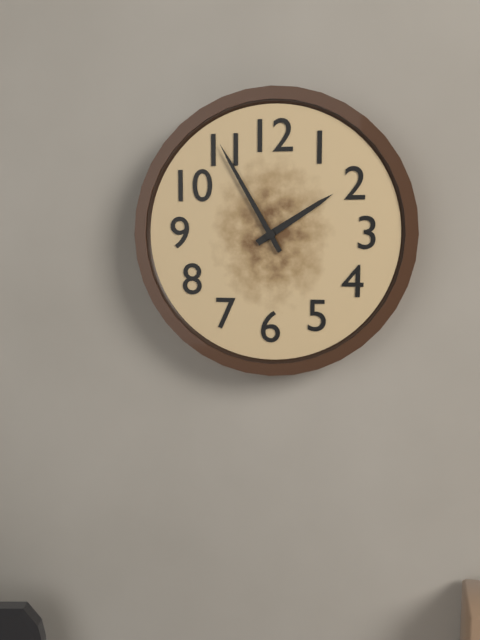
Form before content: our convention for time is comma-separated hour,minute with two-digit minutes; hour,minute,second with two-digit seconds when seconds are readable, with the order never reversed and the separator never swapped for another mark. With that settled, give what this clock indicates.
1,55
